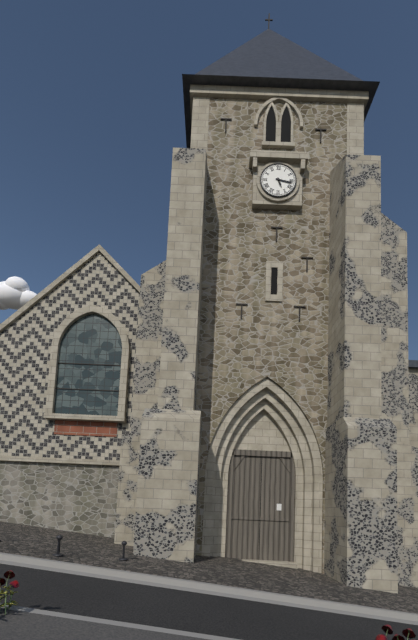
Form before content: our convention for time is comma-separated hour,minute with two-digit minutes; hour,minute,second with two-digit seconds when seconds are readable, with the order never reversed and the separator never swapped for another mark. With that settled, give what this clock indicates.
5,17
